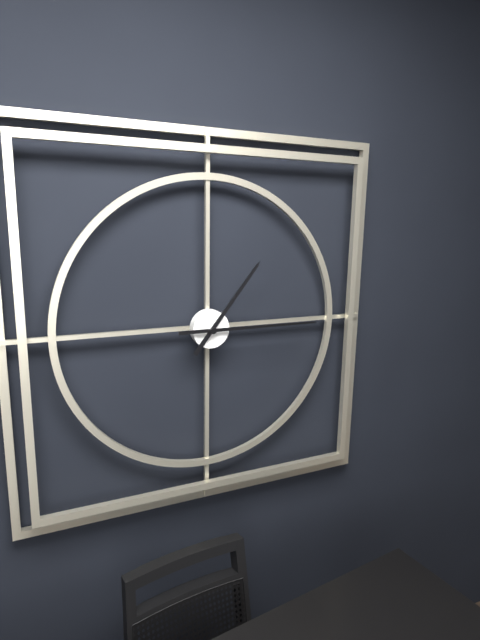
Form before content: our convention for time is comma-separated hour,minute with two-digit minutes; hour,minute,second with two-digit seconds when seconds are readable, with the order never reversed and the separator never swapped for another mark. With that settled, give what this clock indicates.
1,15
